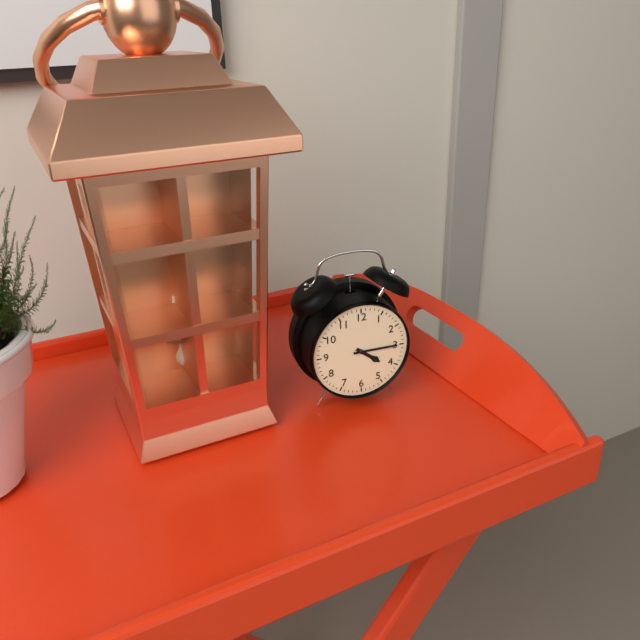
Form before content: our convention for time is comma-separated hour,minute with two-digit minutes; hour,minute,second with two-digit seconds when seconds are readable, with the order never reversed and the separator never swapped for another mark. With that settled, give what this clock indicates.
4,15
